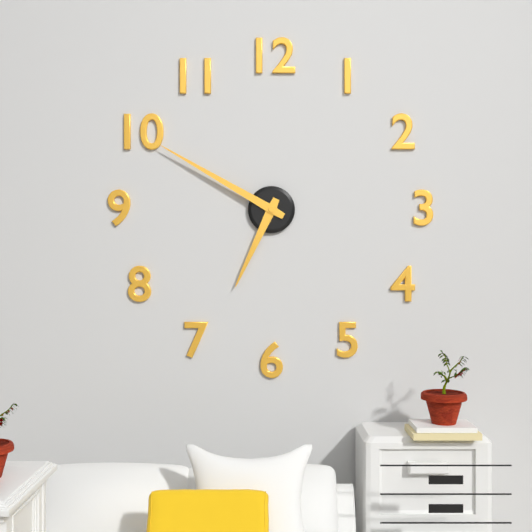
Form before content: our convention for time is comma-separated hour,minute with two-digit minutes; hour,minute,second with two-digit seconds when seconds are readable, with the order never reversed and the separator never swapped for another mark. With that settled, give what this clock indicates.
6,50
